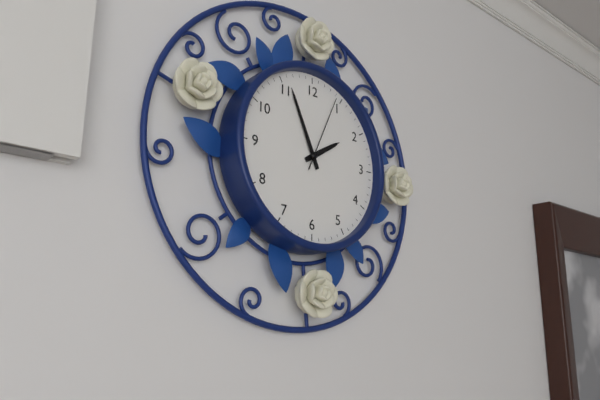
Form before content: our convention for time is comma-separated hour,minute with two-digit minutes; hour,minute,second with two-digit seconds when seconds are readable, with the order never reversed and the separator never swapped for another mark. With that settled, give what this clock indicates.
1,56,04
